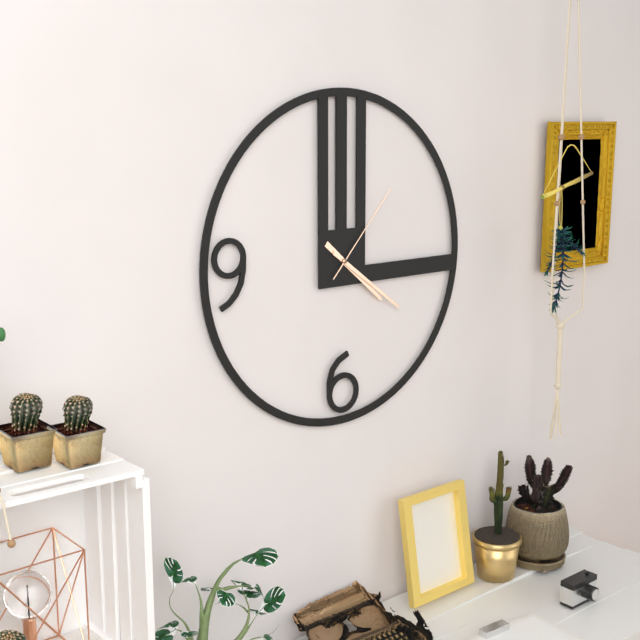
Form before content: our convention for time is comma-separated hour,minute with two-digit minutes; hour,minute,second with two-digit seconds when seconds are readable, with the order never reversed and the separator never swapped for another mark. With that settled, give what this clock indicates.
4,21,07
